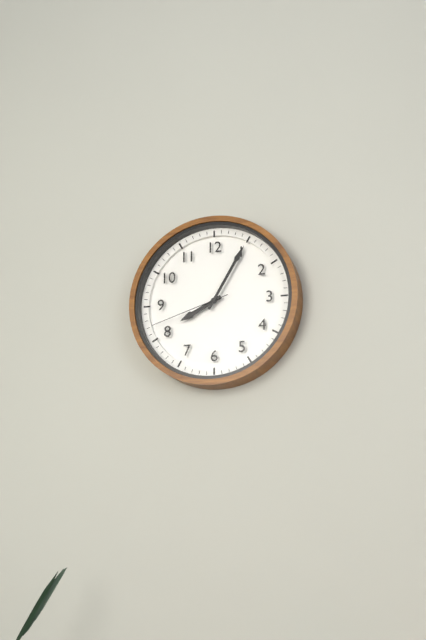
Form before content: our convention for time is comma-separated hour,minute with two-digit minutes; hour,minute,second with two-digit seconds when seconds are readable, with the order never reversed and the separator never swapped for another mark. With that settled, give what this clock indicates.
8,05,42
